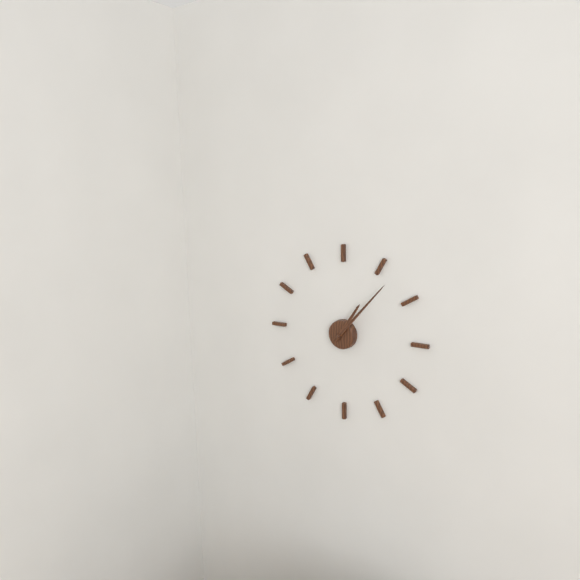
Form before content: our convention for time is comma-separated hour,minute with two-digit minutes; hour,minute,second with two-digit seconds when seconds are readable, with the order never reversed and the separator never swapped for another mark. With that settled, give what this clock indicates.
1,07
